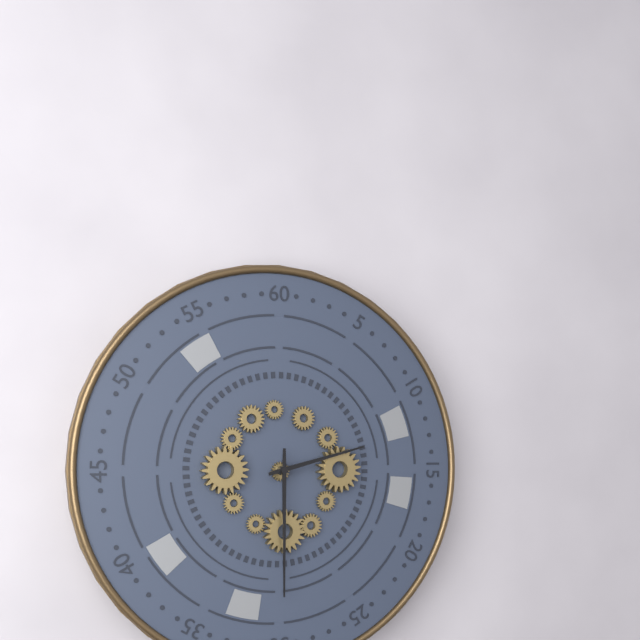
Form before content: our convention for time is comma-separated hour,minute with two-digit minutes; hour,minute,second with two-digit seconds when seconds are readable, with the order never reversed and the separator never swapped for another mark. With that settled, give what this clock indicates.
2,30
